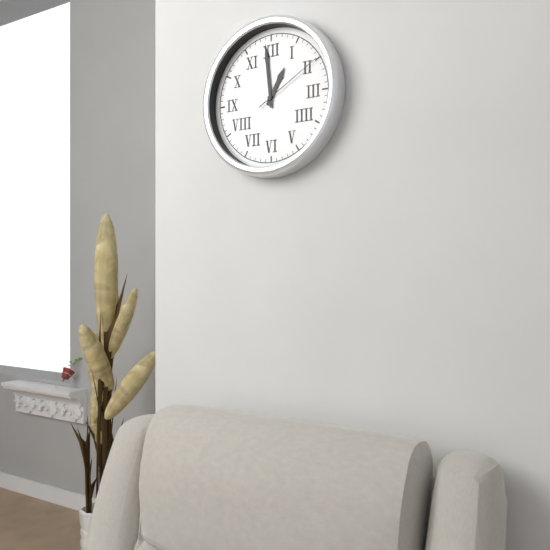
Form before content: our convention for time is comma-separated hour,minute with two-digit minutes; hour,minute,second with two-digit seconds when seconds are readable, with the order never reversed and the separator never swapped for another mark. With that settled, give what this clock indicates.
12,59,10
